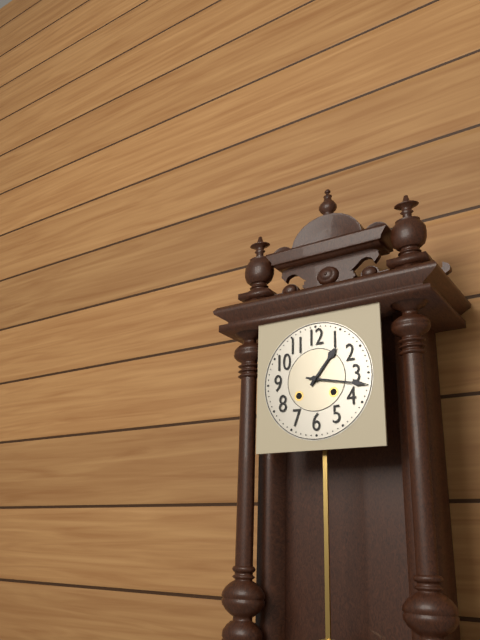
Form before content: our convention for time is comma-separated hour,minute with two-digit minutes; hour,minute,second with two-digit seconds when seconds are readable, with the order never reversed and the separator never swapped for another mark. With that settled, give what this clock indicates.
1,17
